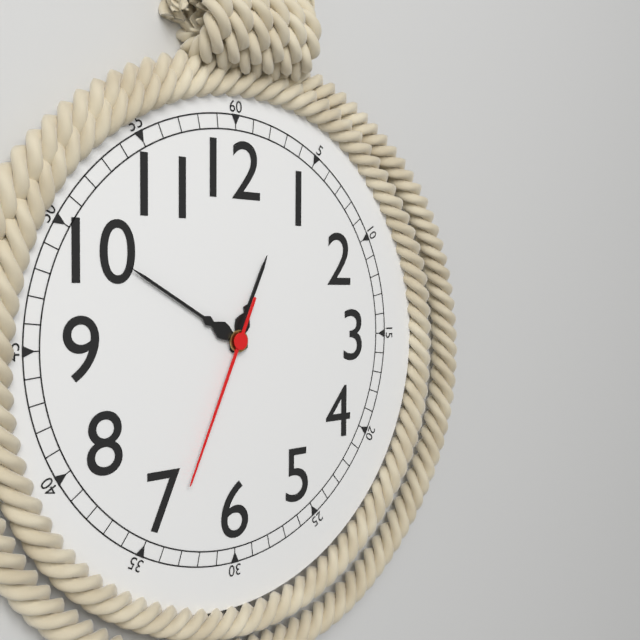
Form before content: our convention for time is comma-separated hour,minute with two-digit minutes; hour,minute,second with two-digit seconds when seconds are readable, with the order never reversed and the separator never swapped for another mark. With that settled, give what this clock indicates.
12,50,34
